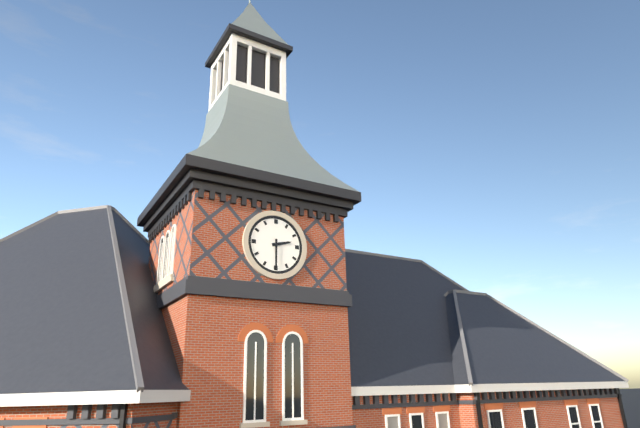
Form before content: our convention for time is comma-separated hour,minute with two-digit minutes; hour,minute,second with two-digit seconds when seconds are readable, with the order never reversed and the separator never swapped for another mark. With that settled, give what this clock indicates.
2,30
